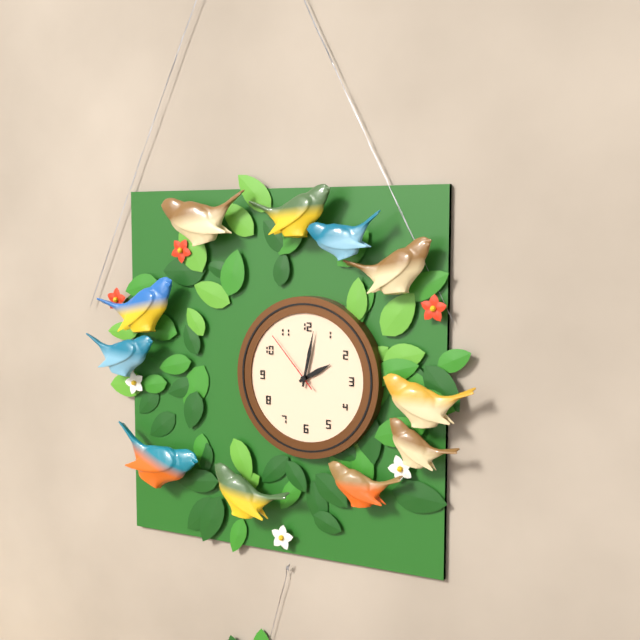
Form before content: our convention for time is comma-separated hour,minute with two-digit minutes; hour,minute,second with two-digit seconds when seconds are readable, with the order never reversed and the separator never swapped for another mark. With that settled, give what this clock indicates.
2,02,53
